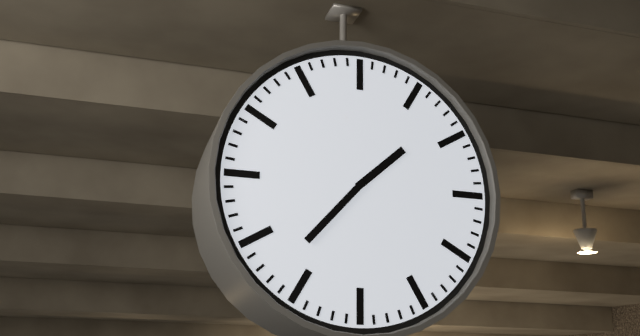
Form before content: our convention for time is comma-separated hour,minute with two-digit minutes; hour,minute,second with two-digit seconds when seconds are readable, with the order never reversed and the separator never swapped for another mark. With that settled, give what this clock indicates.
1,37
